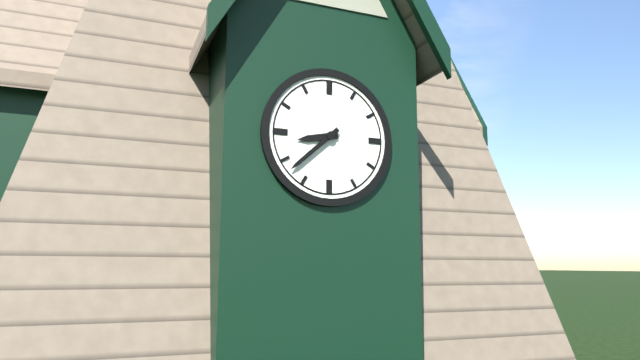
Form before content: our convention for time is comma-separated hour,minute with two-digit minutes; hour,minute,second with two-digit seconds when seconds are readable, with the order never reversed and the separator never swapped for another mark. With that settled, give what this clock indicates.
8,38
